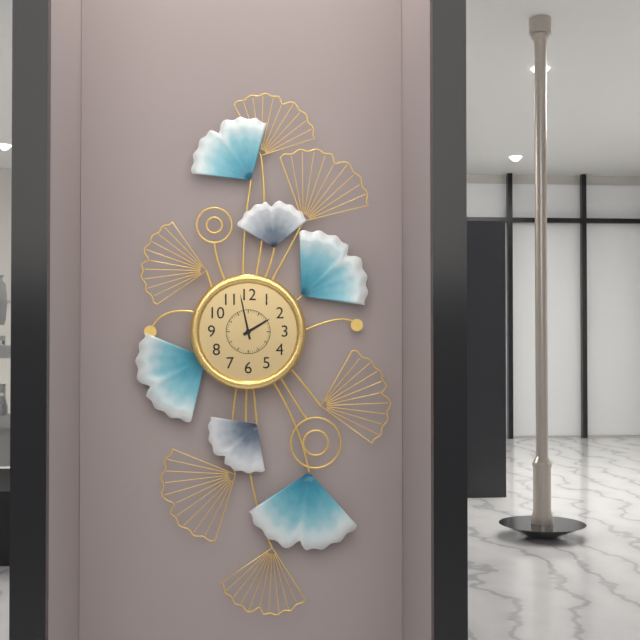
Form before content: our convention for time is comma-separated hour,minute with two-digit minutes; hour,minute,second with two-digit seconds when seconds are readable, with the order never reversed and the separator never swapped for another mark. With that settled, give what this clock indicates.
1,58
